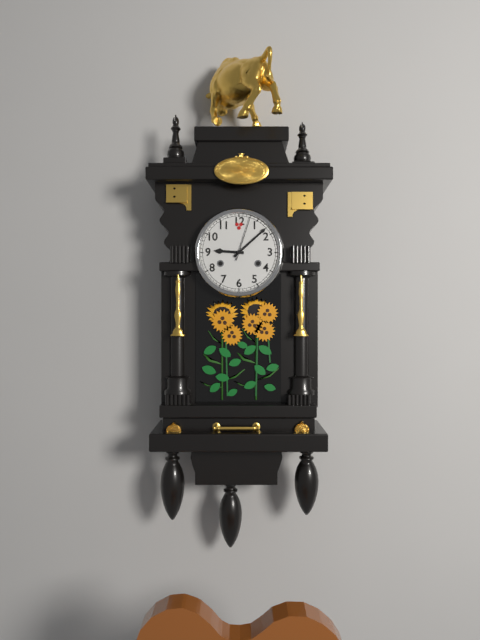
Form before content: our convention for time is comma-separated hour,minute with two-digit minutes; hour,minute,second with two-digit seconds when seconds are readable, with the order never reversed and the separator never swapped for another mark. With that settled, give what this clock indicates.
9,08
